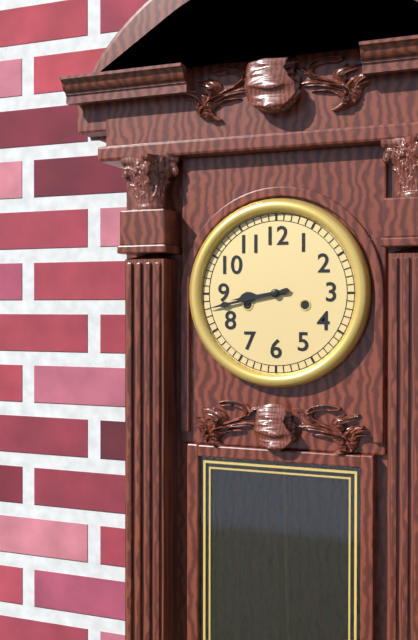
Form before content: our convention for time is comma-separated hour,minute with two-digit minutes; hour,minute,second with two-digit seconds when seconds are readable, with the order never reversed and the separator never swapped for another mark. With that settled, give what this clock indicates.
8,43
